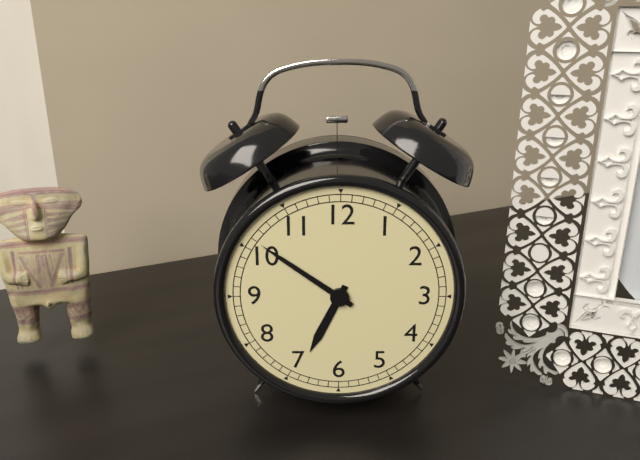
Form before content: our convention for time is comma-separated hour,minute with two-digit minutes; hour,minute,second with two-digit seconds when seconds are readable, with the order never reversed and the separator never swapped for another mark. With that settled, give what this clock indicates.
6,51
